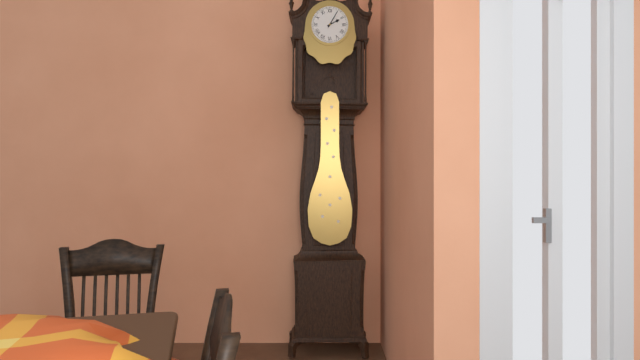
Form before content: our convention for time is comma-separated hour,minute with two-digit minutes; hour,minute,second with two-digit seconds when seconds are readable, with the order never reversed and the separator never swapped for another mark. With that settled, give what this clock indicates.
2,05
